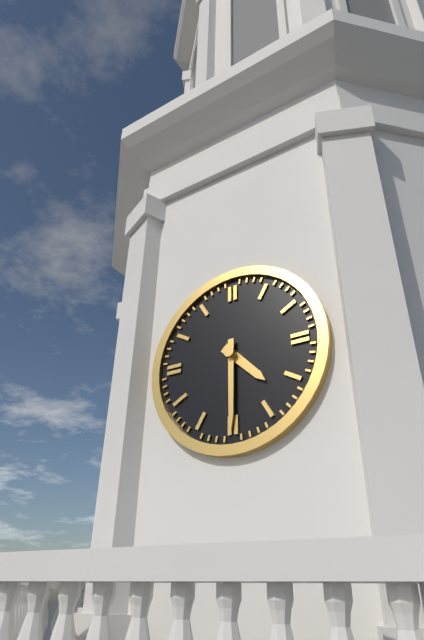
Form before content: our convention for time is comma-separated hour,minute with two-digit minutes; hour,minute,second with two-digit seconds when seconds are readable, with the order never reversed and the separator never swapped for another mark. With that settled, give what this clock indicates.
4,30
